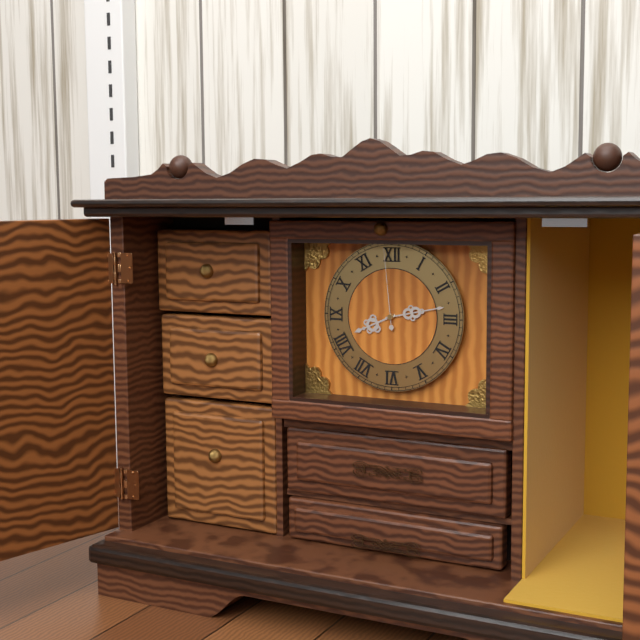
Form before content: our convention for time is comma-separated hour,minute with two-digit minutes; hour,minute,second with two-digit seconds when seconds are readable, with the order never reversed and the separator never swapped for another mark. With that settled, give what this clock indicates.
8,13,59
